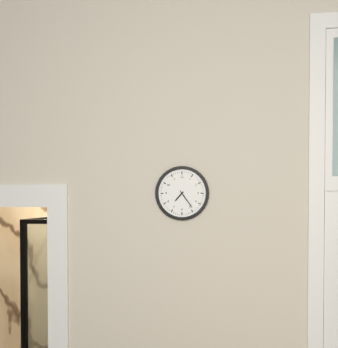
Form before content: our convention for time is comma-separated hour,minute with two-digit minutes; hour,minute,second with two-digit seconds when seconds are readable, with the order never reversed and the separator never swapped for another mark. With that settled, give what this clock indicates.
7,24
